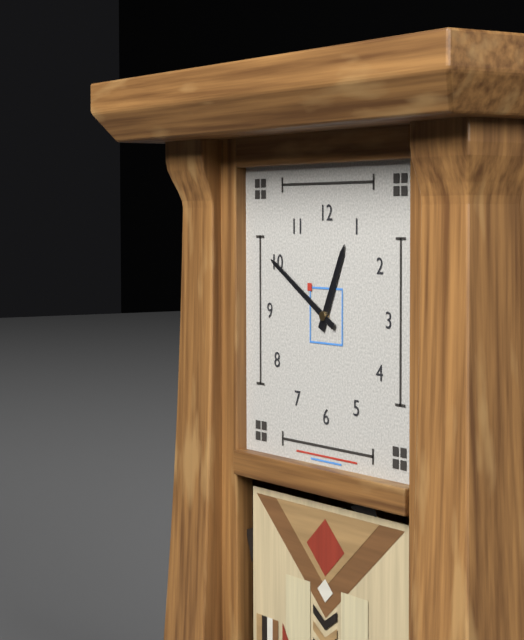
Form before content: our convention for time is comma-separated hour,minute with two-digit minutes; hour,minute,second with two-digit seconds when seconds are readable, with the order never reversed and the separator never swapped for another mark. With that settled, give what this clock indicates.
12,50
